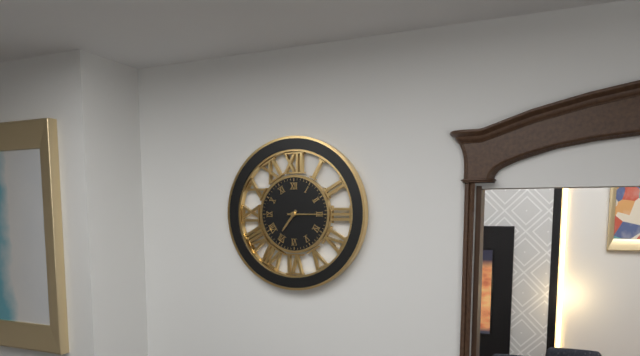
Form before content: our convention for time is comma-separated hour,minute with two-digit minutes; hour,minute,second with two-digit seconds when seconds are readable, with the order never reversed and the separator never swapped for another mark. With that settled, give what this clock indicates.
7,15
